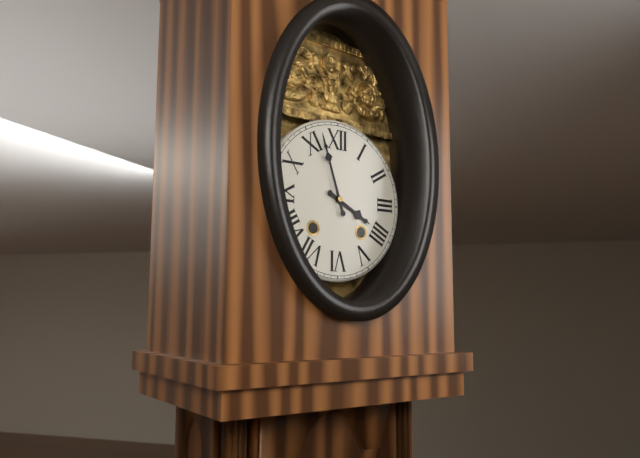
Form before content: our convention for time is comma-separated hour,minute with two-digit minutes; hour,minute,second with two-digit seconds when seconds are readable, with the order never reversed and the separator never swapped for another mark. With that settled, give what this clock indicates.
3,57
